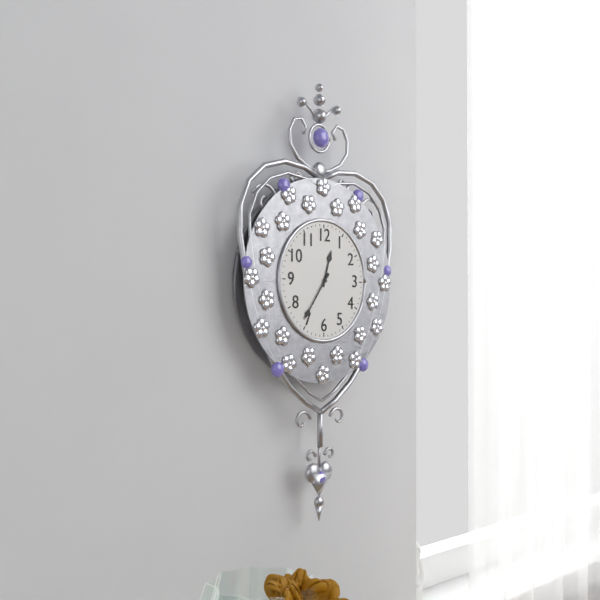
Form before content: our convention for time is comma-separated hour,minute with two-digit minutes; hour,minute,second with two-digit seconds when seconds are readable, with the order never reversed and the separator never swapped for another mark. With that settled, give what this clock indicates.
12,36
